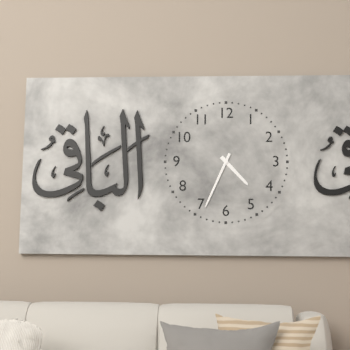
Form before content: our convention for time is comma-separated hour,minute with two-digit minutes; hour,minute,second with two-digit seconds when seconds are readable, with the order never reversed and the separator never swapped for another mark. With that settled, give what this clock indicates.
4,34
